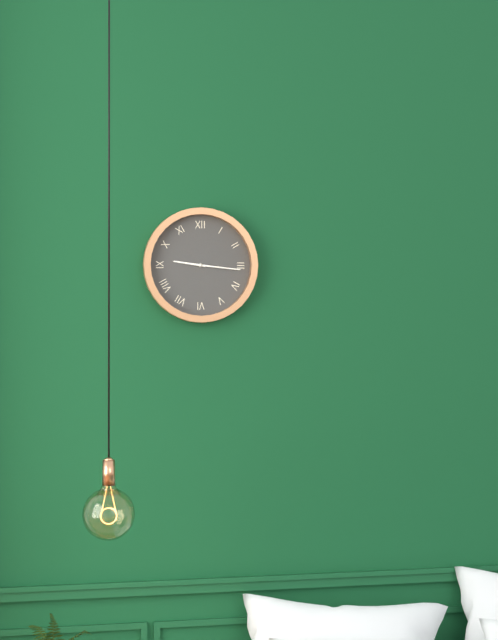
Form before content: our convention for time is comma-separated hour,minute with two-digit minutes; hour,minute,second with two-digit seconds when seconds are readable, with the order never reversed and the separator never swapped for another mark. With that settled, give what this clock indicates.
9,16
